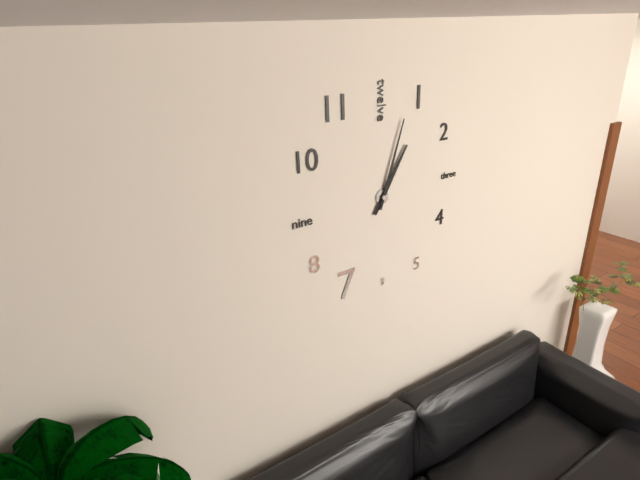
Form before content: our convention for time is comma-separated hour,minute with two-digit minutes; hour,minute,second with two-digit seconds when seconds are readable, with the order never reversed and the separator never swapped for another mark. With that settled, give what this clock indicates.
1,03
